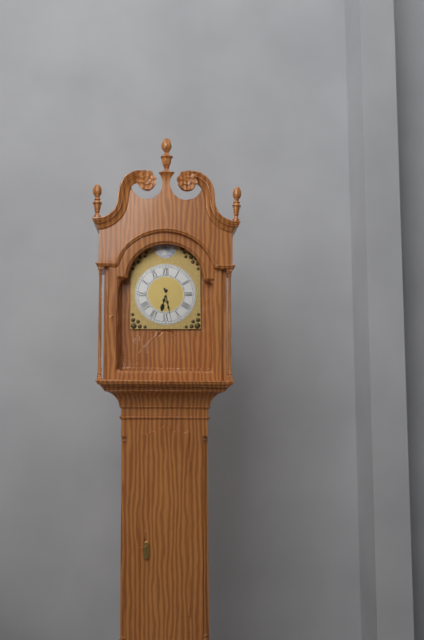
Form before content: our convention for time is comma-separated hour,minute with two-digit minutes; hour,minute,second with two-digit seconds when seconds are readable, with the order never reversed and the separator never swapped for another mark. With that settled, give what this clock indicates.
6,28
